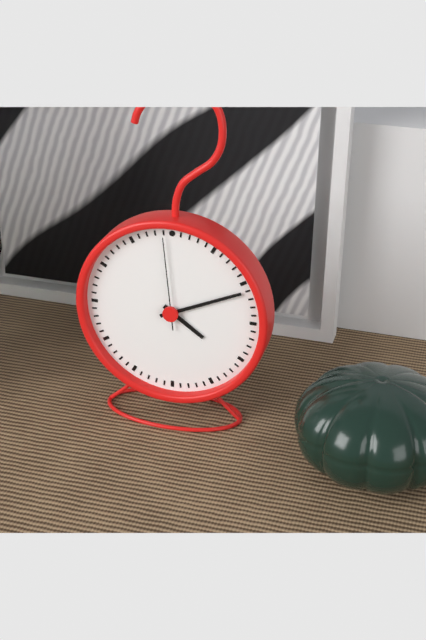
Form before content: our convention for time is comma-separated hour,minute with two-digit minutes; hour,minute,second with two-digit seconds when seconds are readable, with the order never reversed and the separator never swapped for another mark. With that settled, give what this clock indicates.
4,11,59
